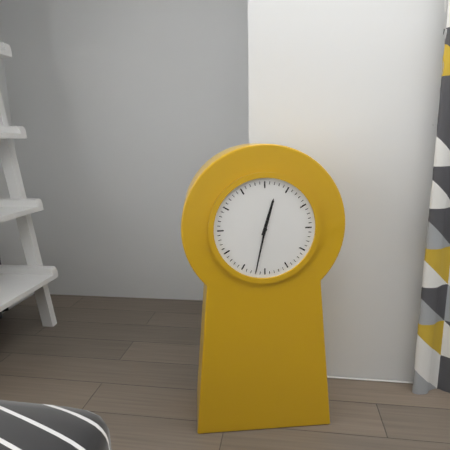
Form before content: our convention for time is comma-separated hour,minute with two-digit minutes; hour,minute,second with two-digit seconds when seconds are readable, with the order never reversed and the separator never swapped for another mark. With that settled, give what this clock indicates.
12,32
